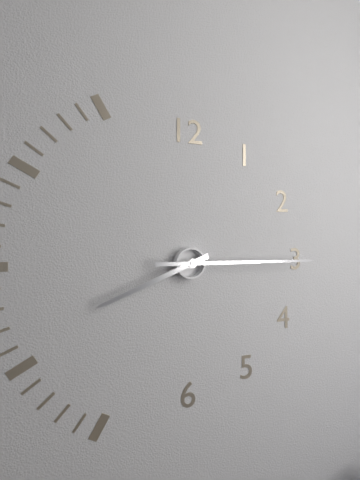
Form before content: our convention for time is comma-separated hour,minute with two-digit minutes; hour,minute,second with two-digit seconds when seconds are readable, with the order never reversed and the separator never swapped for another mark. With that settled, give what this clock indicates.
8,15
